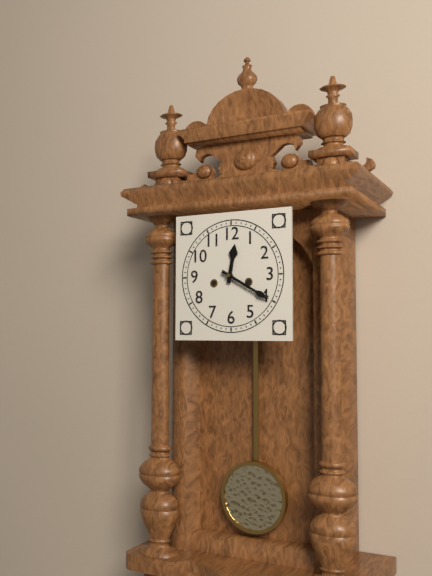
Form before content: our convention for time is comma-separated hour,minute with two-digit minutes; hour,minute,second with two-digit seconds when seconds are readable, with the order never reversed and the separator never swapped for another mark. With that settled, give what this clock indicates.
12,20
